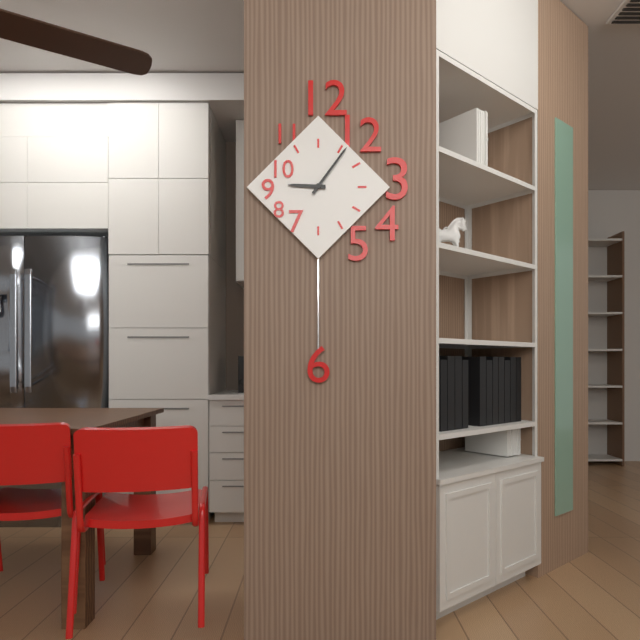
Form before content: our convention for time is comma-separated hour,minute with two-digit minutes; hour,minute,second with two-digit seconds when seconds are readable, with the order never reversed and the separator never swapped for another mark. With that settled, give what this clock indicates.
9,06
